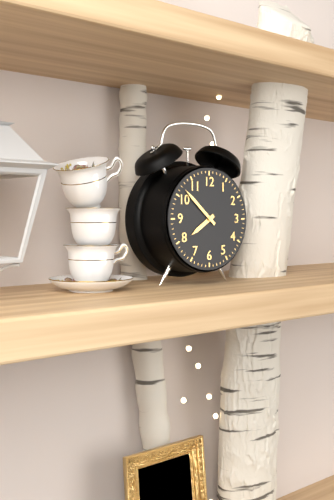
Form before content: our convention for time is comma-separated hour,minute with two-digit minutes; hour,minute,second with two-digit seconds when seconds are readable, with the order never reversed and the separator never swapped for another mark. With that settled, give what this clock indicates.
7,52
